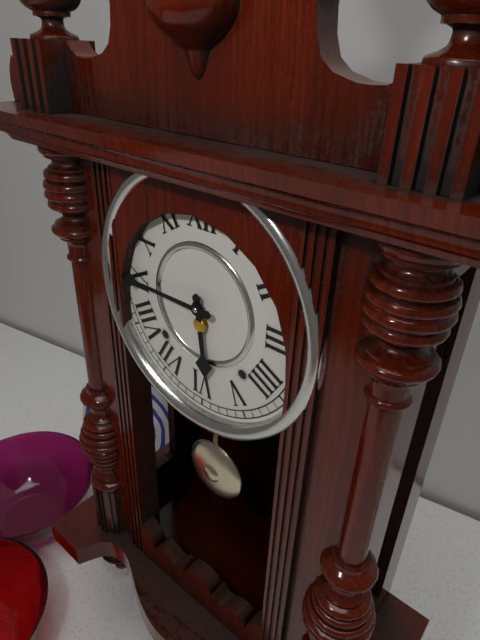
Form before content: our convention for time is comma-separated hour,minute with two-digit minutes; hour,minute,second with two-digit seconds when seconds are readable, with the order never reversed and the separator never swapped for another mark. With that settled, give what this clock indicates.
5,45
